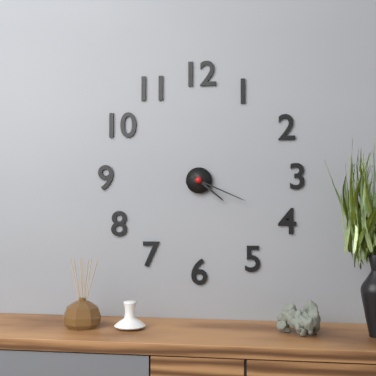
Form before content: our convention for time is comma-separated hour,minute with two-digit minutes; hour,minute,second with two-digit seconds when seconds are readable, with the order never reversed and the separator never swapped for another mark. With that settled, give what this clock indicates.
4,19
